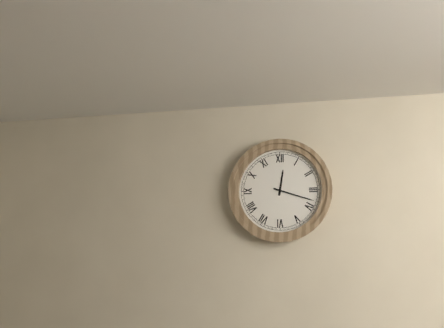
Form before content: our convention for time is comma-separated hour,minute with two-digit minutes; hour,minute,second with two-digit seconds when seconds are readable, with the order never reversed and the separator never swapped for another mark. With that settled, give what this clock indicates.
12,18
